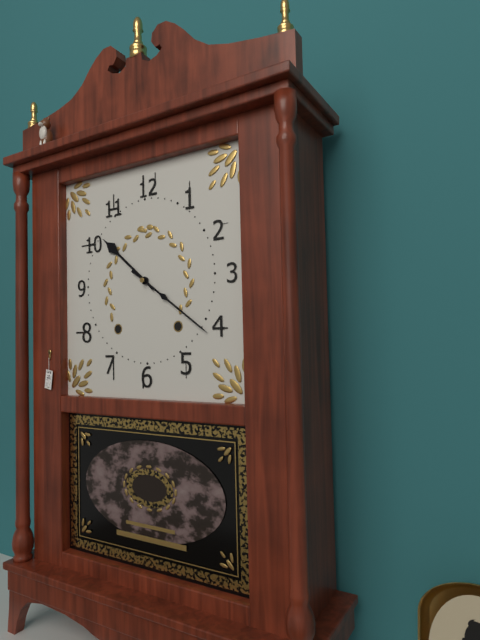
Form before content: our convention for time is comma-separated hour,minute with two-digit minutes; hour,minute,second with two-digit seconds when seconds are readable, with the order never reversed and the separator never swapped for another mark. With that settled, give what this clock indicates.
10,21
